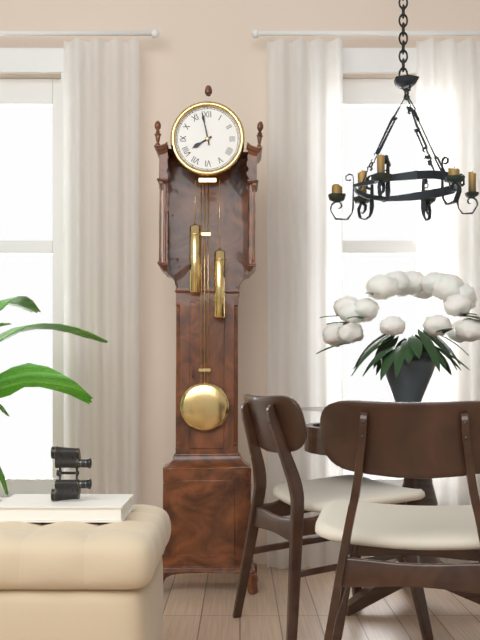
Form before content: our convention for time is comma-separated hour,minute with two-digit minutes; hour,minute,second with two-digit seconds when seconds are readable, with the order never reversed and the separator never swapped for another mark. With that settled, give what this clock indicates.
7,58
